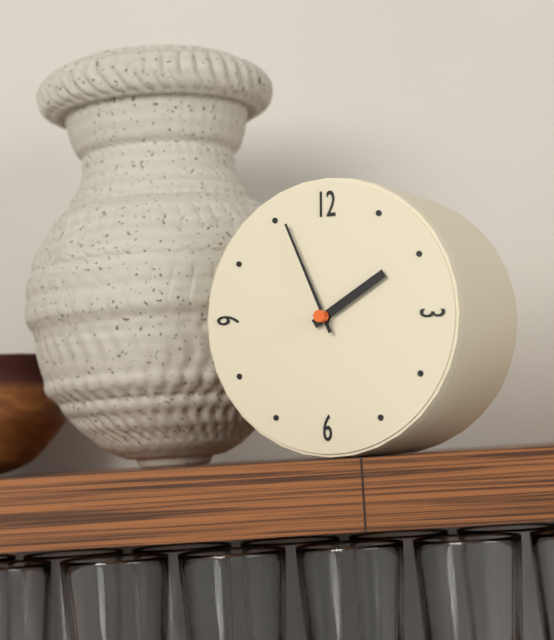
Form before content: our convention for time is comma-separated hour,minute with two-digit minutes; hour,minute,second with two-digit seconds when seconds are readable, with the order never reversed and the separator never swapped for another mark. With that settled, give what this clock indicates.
1,56
